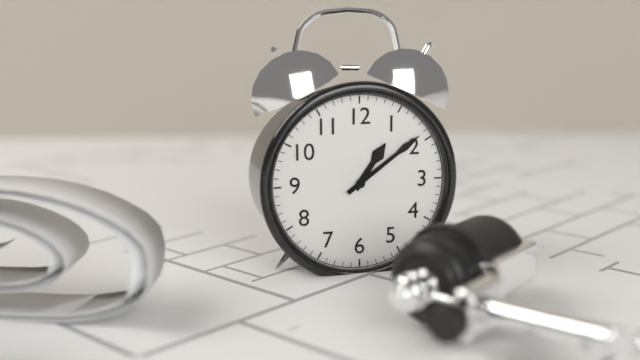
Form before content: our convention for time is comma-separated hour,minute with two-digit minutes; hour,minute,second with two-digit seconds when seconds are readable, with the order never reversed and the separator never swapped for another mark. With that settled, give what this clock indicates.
1,09
